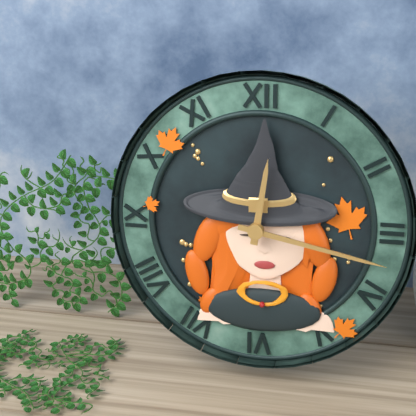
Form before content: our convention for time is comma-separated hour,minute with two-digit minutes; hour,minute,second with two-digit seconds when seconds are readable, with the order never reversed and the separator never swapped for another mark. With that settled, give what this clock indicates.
12,17
